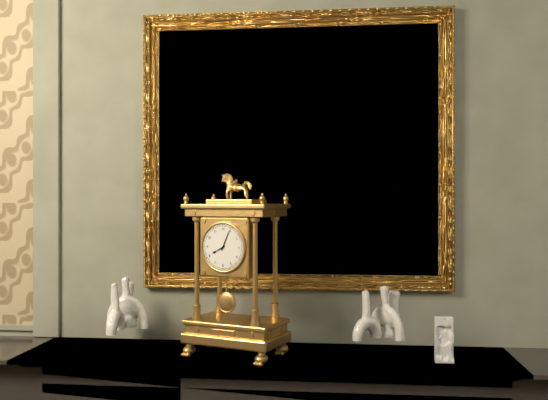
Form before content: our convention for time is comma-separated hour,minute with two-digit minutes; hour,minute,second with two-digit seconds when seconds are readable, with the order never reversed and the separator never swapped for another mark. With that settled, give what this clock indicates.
8,04
